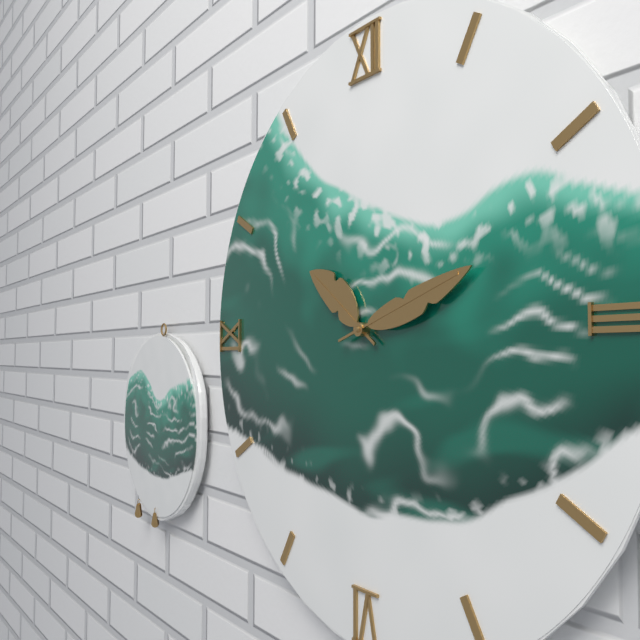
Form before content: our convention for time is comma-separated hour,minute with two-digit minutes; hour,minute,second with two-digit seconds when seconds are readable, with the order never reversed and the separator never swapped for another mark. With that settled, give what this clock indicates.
10,12
